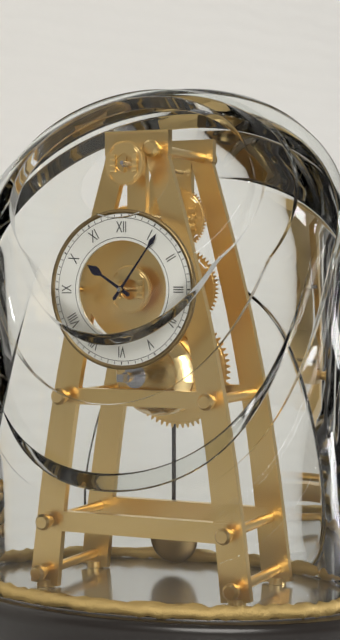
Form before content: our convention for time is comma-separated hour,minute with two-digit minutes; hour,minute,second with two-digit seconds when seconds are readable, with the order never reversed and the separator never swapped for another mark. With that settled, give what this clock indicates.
10,06
